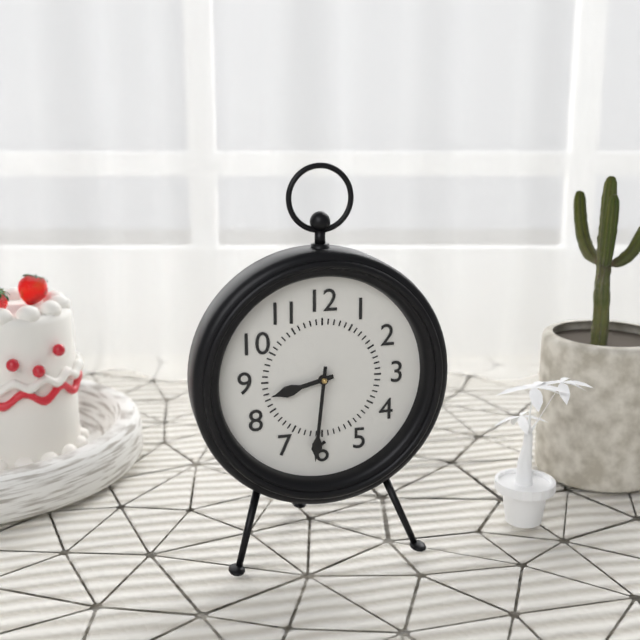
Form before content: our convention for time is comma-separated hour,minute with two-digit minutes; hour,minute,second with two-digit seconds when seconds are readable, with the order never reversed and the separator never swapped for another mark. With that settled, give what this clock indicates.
8,31
